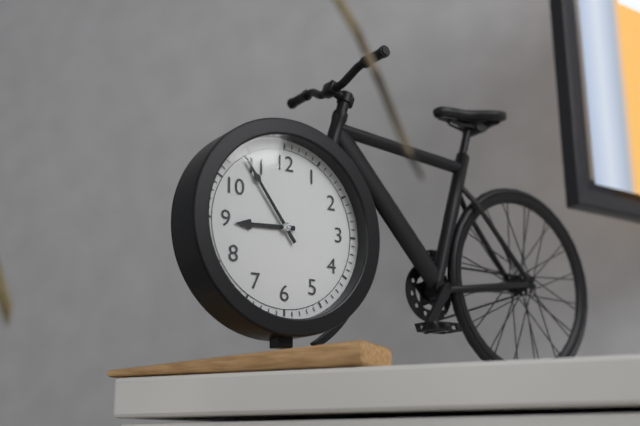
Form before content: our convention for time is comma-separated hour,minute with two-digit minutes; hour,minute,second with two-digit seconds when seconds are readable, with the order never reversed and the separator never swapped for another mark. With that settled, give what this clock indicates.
8,54
